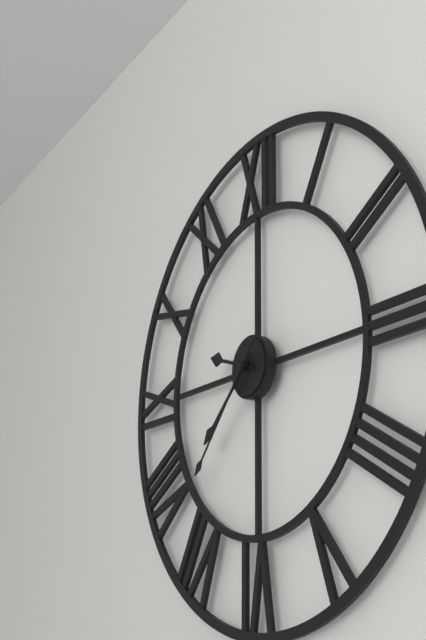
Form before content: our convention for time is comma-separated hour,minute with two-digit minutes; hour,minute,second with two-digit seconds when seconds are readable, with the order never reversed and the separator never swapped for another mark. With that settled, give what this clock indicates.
9,38,37
